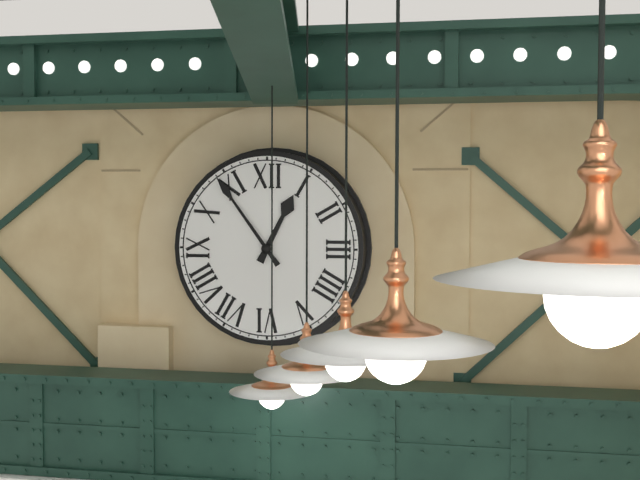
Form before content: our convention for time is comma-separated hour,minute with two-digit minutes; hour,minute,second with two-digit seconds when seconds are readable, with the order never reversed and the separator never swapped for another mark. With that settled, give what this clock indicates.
12,54
